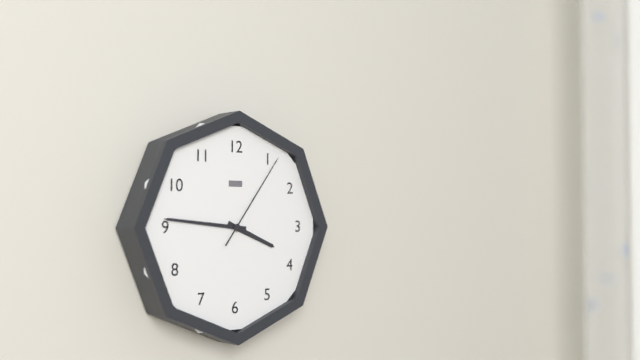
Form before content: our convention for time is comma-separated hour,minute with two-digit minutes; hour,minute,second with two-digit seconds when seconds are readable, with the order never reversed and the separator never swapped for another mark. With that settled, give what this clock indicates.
3,46,06
